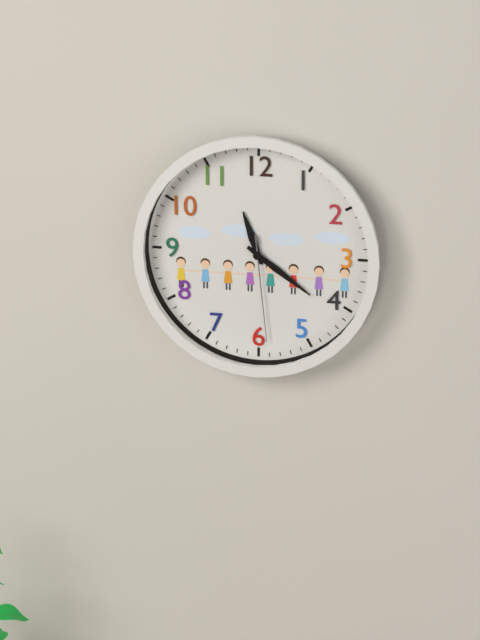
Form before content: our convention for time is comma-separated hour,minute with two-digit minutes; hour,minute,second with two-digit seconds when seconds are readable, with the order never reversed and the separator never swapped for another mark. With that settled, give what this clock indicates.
11,21,29
